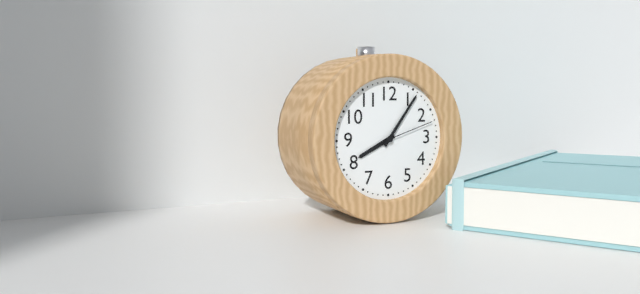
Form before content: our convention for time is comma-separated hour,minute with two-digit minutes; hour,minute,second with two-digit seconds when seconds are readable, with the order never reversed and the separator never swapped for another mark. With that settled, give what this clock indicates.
8,06,12
